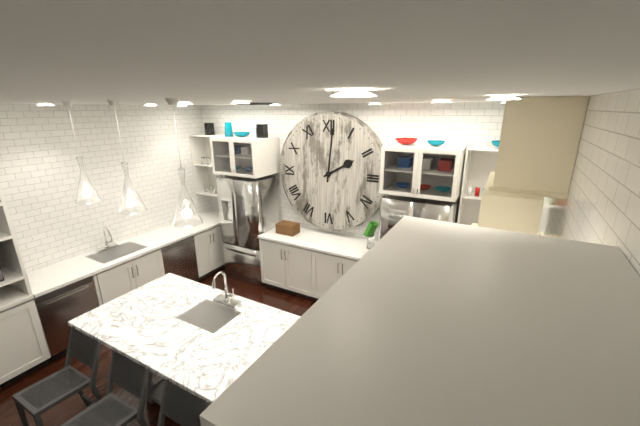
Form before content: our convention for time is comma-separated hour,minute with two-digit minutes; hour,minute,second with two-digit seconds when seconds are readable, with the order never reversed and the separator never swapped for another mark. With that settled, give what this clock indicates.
2,01
